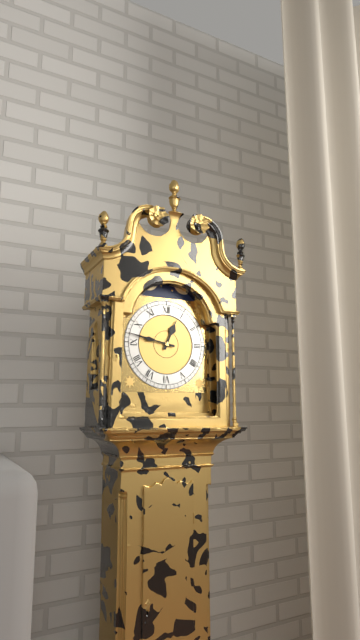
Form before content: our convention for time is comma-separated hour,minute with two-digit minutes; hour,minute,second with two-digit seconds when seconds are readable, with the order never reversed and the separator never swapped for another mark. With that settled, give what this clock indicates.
12,47
